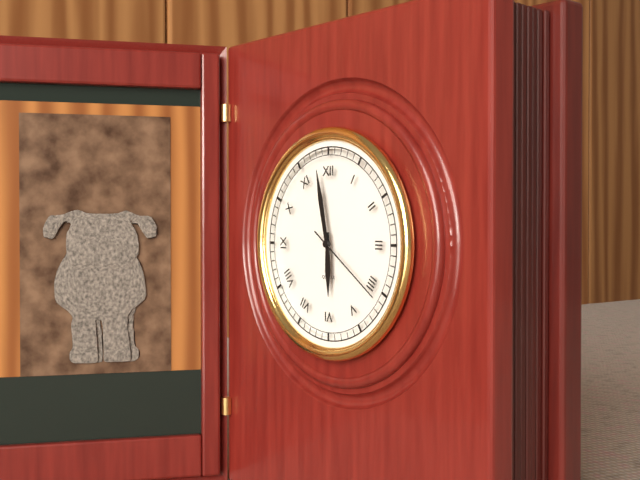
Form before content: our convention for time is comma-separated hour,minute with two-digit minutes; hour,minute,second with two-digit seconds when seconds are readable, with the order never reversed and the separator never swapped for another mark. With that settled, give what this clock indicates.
5,58,21
